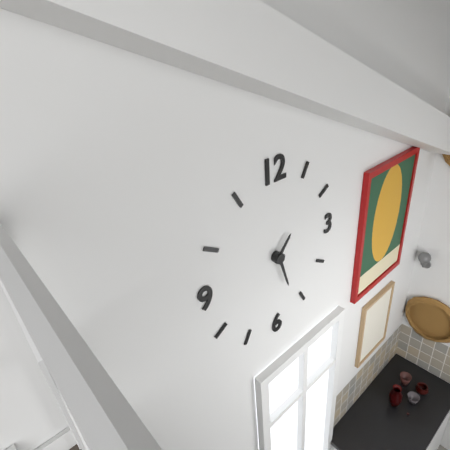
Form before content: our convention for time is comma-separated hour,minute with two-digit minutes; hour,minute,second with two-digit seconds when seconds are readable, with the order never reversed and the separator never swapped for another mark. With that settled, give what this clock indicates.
1,27
